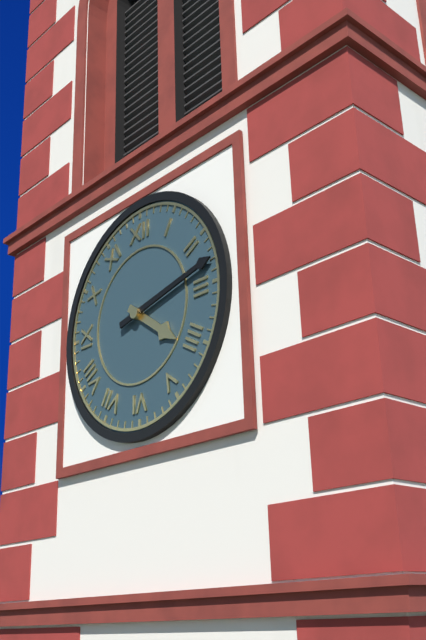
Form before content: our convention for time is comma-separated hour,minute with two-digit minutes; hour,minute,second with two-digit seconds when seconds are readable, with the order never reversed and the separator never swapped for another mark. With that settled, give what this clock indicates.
4,13
